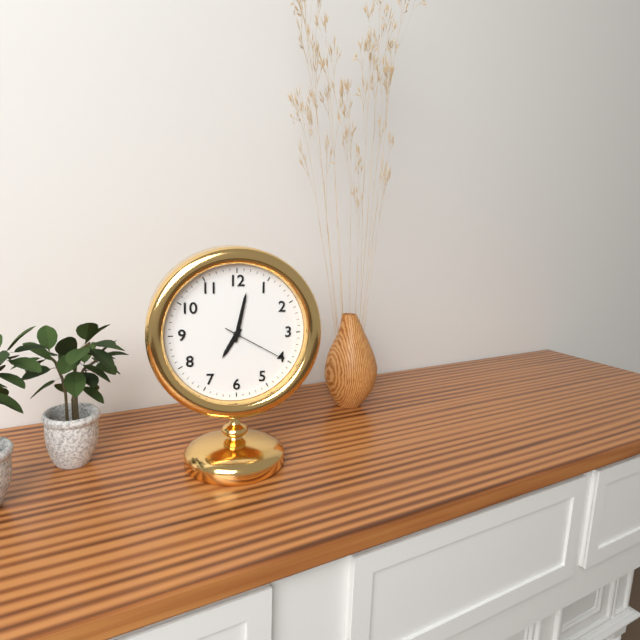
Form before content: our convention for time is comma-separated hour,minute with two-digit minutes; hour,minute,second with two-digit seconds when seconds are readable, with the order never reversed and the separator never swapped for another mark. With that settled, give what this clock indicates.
7,02,20
